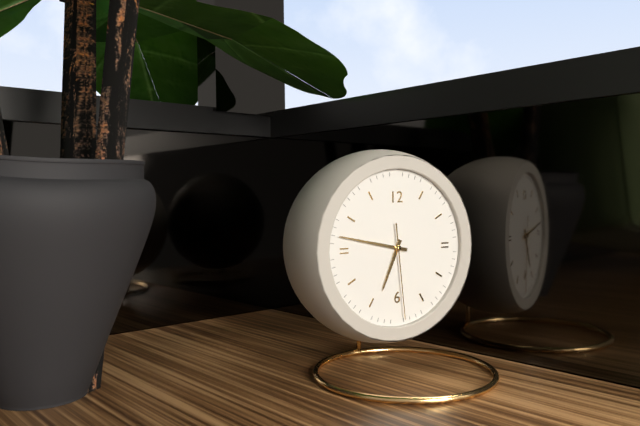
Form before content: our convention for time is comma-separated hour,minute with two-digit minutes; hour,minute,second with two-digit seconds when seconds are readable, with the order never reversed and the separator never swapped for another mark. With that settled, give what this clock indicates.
6,47,29
